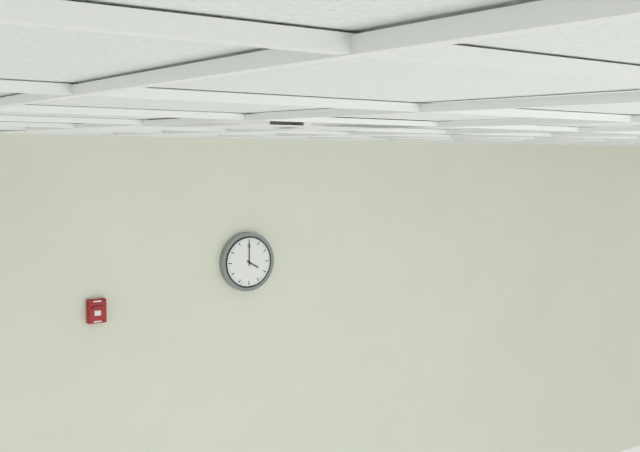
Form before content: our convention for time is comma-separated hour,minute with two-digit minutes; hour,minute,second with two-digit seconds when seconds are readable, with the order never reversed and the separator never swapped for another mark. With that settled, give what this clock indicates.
4,00
